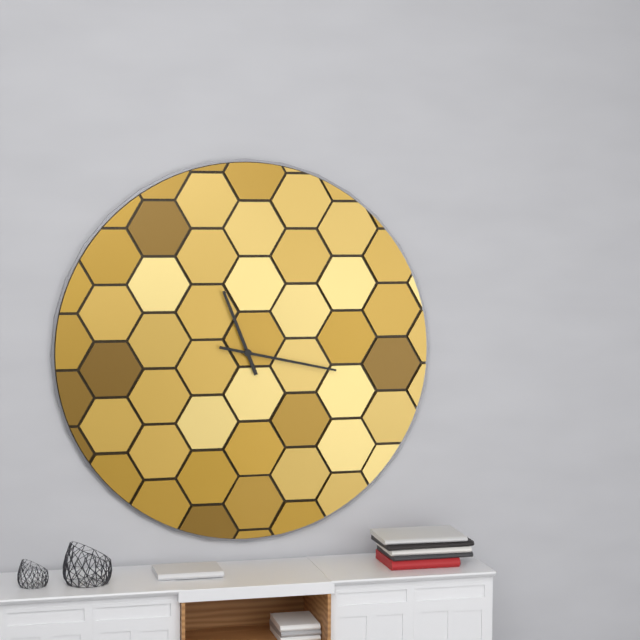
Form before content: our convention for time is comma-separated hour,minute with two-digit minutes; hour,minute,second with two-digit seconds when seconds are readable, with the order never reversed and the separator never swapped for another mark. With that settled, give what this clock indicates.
11,17
